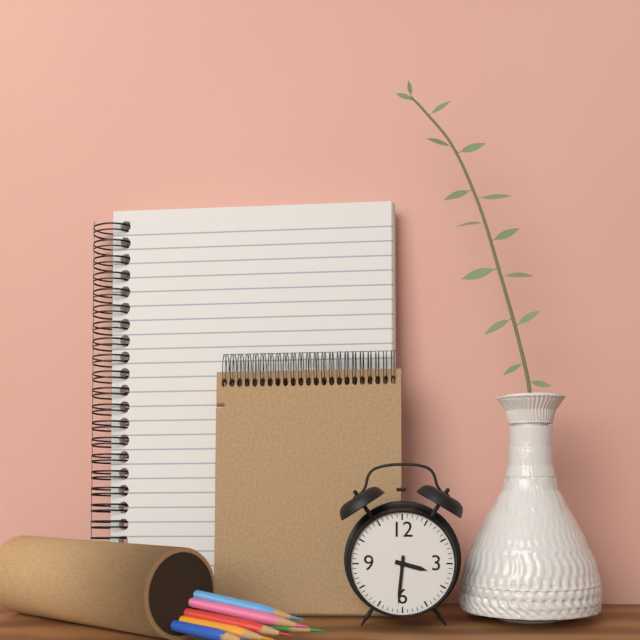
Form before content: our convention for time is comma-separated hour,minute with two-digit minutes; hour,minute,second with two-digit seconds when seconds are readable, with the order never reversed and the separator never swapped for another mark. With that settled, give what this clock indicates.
3,31
